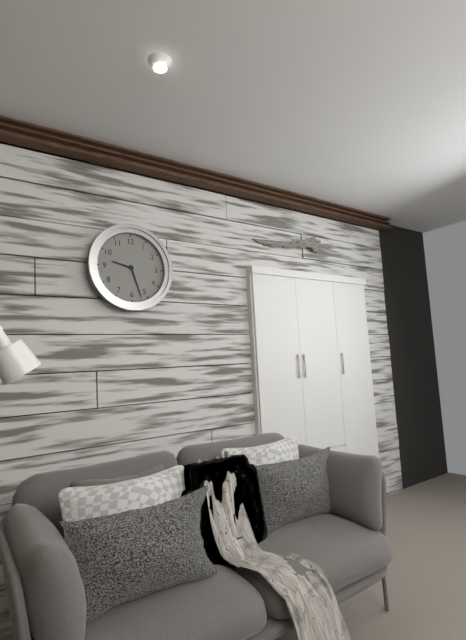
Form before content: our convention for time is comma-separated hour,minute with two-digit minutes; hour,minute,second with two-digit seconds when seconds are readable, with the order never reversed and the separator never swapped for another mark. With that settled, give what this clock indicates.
9,27
